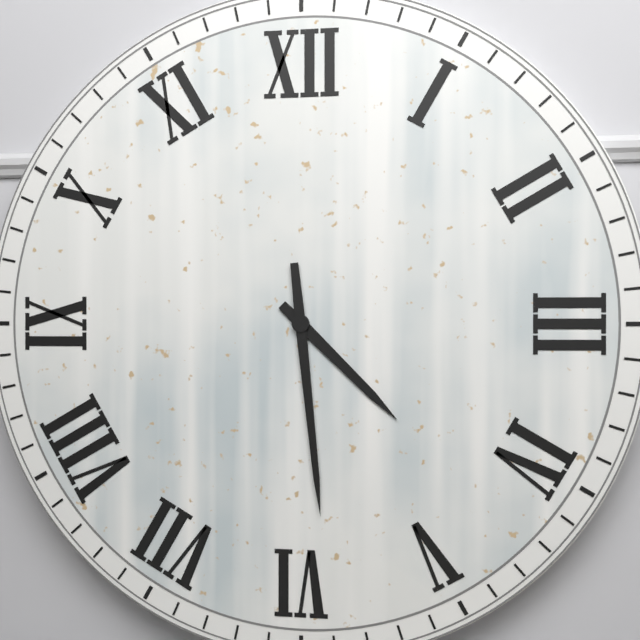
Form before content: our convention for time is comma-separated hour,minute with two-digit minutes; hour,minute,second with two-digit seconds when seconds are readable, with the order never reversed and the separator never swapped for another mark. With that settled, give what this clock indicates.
4,29
